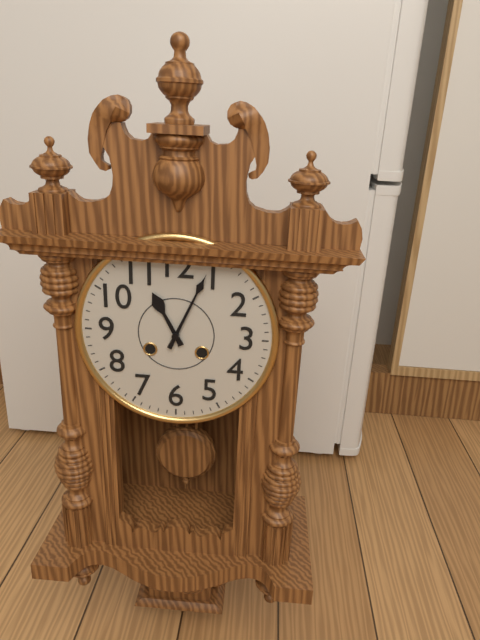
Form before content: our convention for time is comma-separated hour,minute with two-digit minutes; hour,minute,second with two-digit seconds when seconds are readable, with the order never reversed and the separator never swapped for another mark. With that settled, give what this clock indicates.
11,04
